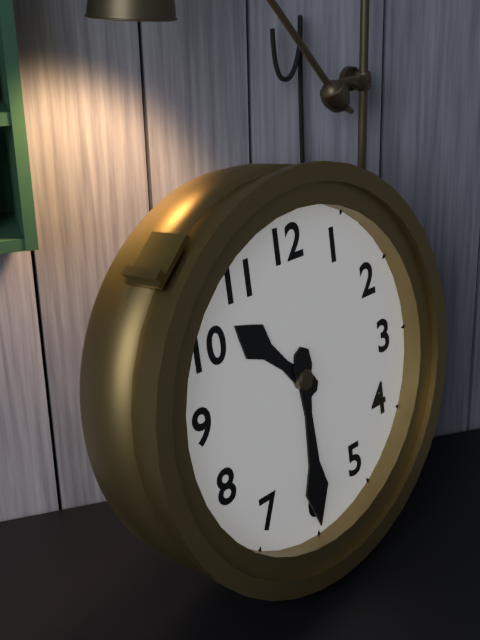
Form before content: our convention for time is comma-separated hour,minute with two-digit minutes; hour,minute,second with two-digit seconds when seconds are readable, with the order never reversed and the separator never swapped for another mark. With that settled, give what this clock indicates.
10,30
